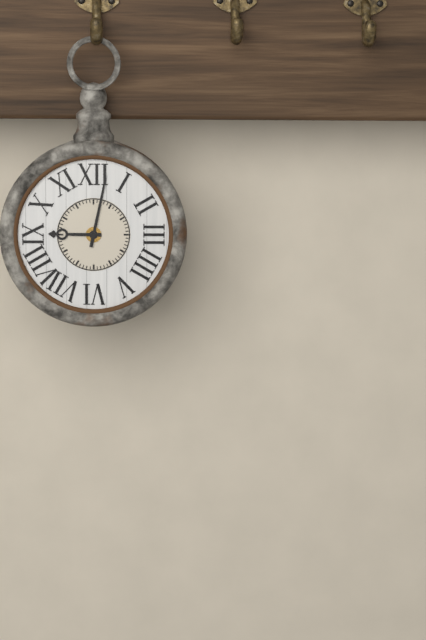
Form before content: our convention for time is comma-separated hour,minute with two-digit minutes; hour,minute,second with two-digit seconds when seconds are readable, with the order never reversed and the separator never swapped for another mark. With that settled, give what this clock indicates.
9,02
